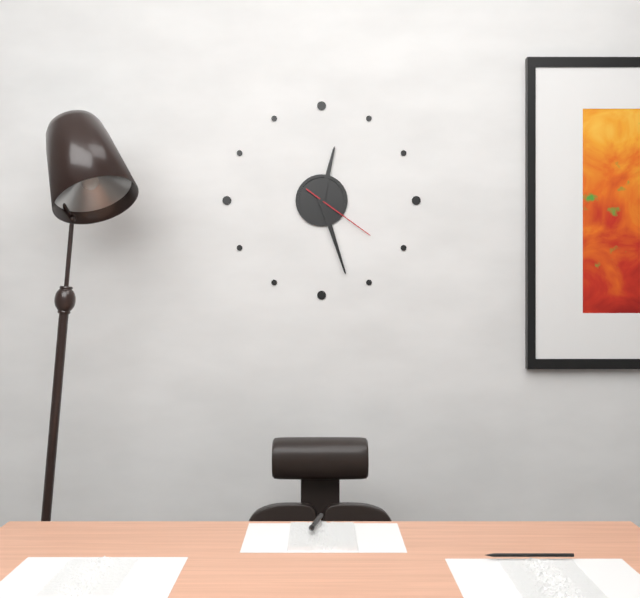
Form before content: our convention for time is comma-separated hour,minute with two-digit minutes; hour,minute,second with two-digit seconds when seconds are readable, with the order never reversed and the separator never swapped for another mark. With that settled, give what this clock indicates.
12,27,21
